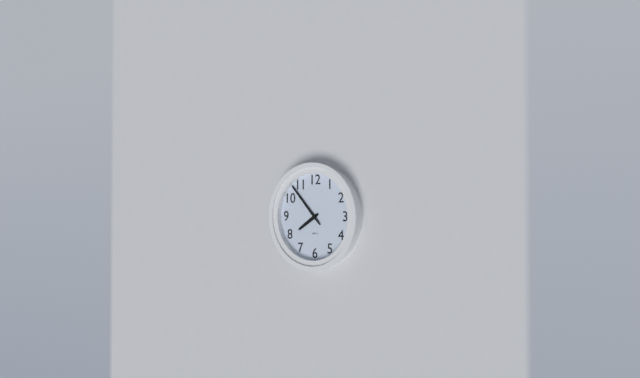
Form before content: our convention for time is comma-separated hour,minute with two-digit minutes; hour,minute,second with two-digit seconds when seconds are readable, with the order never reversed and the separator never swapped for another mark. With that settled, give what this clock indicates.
7,53
